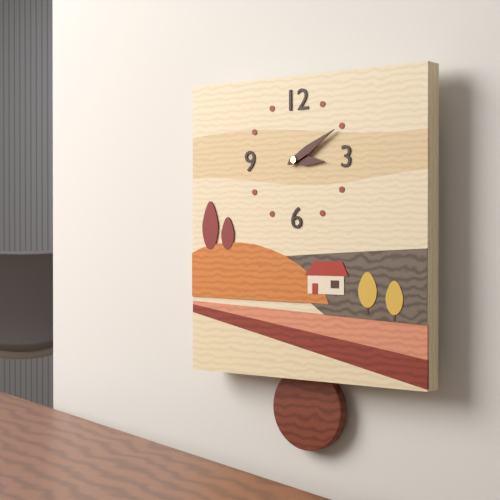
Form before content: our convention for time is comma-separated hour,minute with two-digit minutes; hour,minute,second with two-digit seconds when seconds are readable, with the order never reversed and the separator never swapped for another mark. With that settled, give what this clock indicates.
3,10
